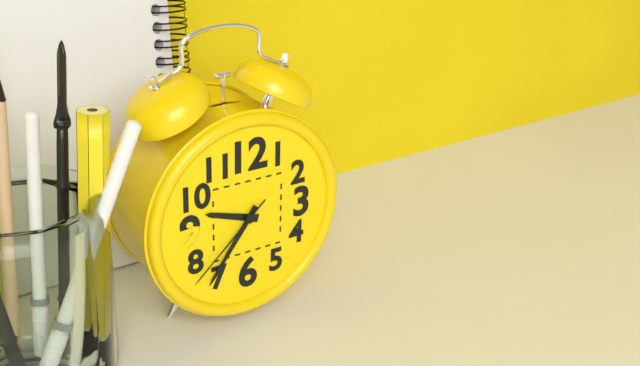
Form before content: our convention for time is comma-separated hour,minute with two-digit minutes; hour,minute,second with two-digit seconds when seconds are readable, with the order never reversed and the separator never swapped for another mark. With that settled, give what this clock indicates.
9,36,38
